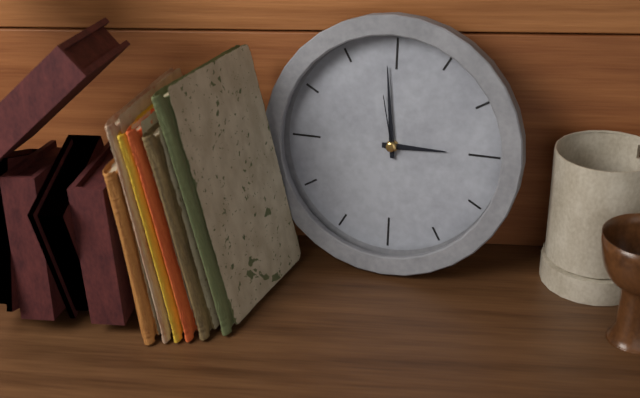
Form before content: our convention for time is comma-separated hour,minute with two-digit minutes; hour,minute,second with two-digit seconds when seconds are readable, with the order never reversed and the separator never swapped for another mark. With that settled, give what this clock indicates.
2,59,58
